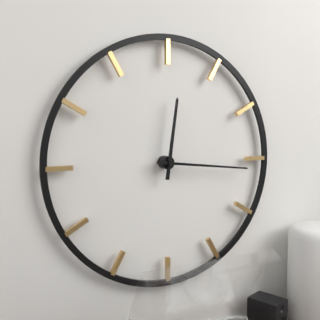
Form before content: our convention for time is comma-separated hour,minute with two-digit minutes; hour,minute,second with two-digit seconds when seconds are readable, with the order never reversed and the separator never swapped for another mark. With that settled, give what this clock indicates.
12,16
